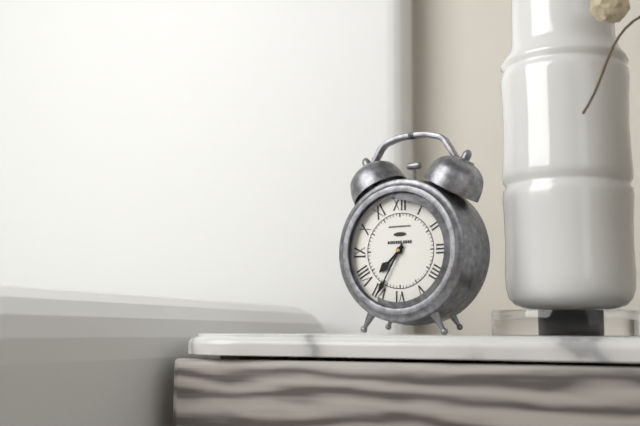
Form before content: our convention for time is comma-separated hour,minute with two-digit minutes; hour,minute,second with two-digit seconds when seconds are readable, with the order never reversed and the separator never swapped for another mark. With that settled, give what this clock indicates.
7,35
